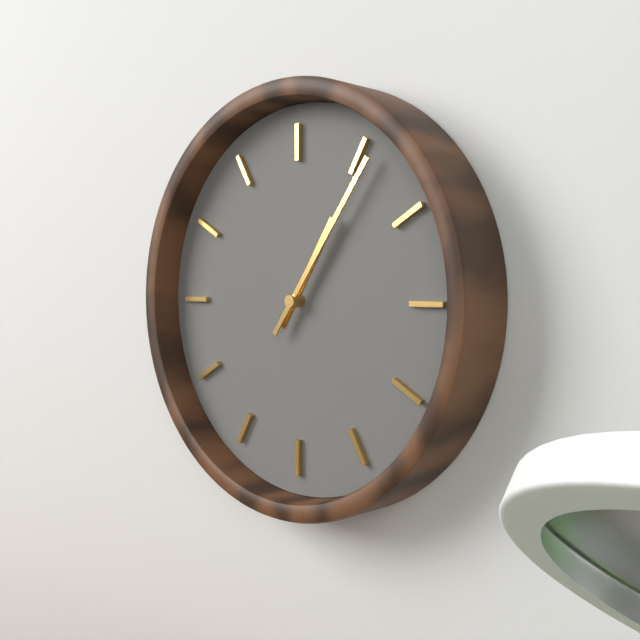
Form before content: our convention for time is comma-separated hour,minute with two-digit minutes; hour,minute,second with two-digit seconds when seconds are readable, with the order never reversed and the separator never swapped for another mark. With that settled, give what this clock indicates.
1,06
